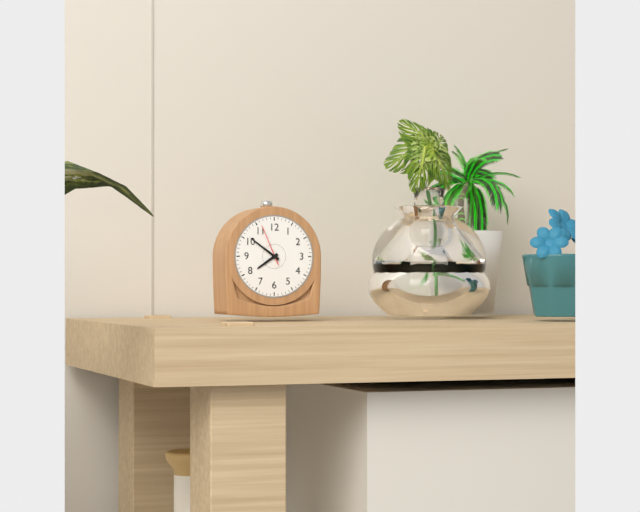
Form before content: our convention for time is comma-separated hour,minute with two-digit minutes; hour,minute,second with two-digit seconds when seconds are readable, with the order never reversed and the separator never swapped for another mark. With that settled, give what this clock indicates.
7,51
